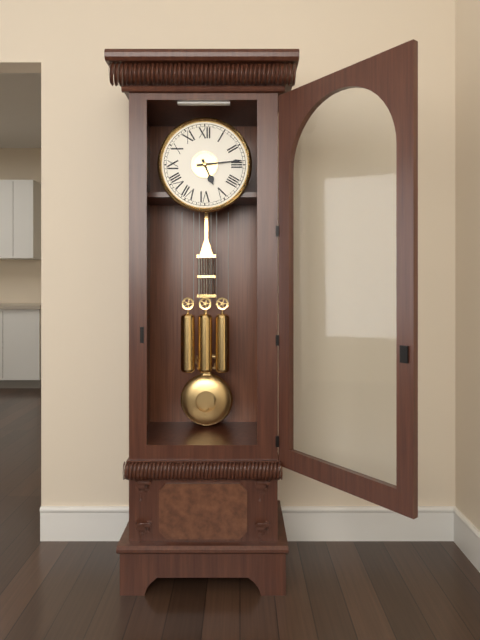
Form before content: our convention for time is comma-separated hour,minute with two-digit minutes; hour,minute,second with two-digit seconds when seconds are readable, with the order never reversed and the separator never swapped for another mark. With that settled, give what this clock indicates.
5,14
